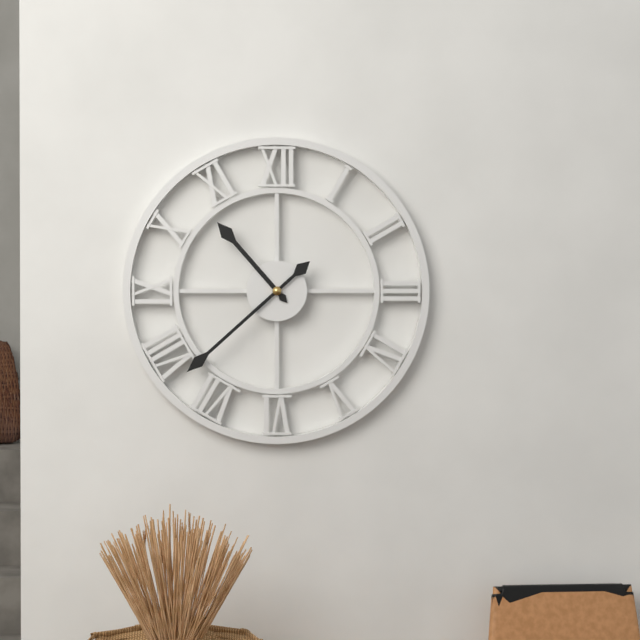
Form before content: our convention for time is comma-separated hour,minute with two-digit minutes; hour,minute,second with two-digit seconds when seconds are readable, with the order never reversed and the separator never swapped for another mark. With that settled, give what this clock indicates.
10,38
